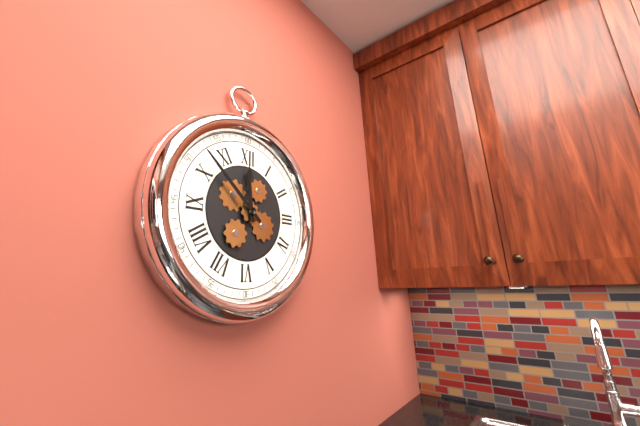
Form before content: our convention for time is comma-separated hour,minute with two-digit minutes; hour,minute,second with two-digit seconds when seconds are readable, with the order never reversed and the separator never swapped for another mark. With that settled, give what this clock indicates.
11,52
